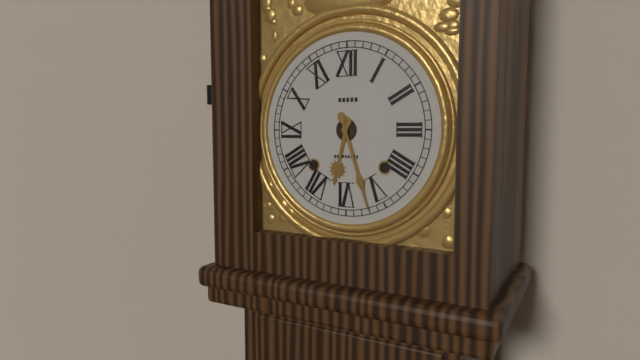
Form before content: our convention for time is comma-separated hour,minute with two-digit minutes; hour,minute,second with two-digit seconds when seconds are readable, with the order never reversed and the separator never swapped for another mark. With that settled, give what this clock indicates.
6,27
